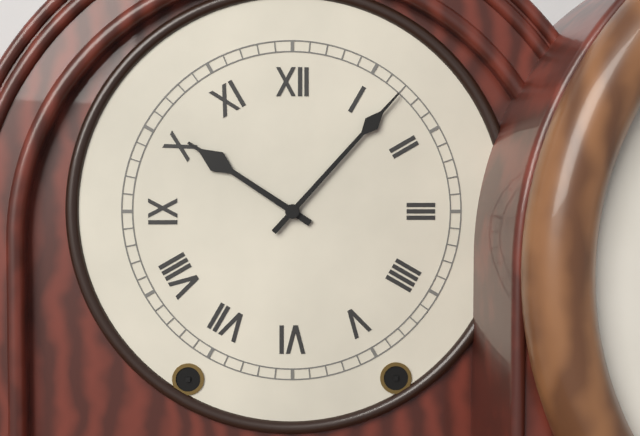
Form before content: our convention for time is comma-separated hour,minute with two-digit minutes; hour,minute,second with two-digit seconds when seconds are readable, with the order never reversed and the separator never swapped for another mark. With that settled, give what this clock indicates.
10,07
